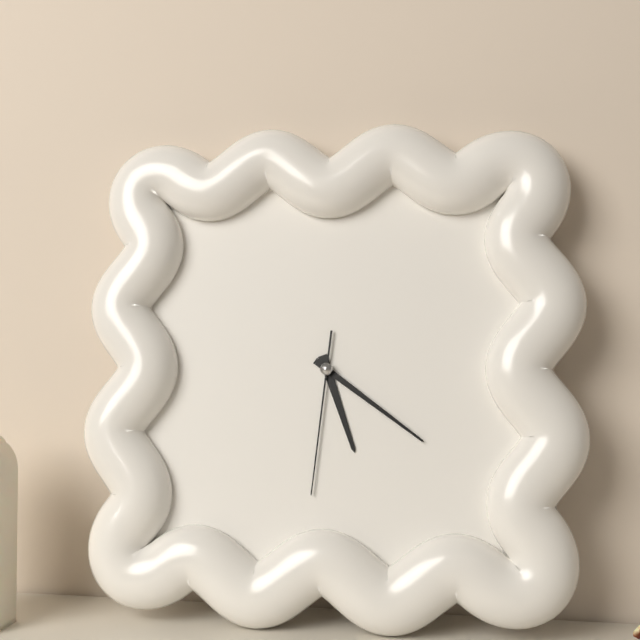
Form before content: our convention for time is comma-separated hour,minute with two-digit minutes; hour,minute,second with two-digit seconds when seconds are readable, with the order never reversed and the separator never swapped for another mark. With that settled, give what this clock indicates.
5,21,31
